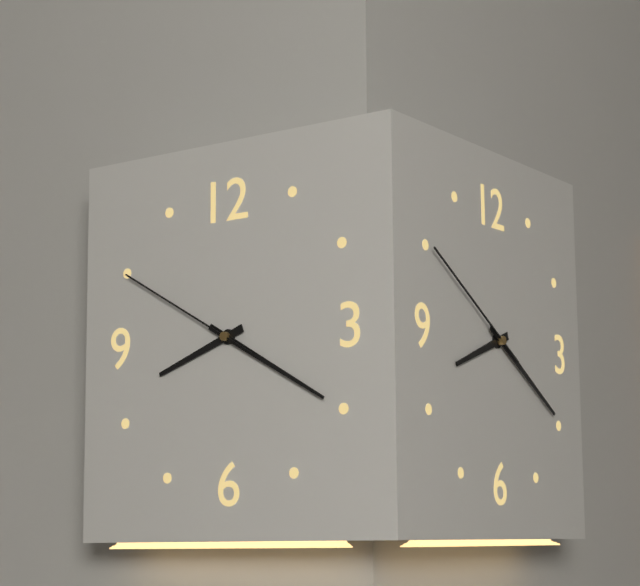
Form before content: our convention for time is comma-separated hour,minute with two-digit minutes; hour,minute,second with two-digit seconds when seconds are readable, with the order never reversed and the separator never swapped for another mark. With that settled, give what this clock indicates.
8,20,50
